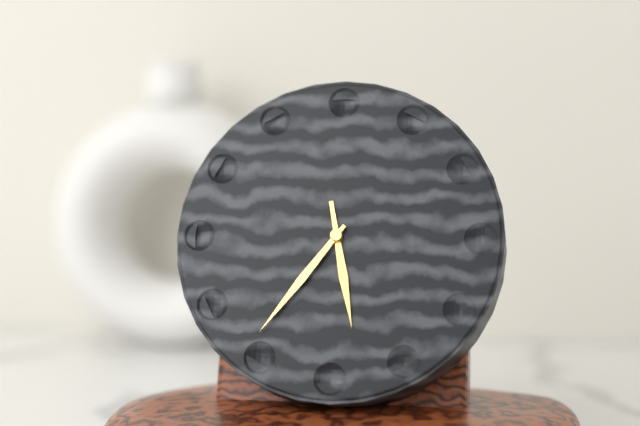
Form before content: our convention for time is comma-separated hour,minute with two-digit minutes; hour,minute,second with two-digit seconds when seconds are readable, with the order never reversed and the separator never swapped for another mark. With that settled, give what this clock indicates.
5,36
